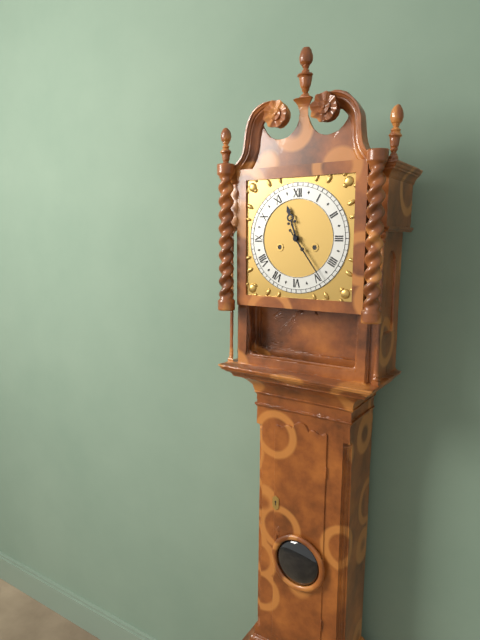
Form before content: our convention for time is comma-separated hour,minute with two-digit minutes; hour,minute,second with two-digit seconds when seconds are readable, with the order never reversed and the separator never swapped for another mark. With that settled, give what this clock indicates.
11,24
